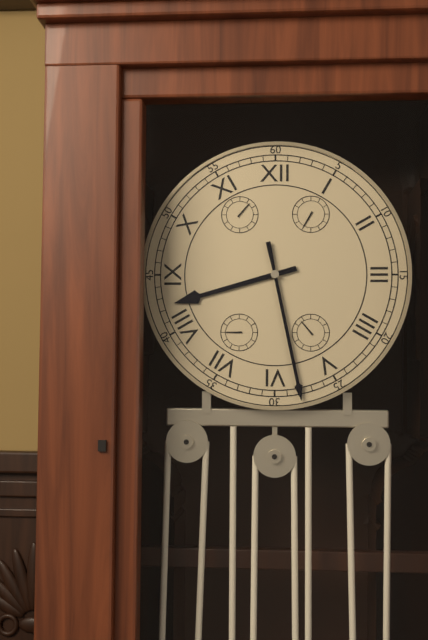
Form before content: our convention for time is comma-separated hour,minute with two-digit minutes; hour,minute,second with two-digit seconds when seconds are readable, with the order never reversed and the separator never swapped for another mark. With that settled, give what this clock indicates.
8,28
